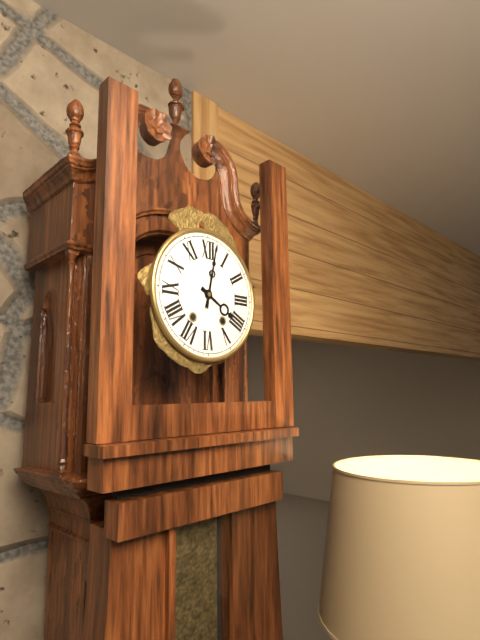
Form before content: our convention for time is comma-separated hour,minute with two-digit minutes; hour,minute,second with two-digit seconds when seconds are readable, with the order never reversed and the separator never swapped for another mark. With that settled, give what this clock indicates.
4,02
